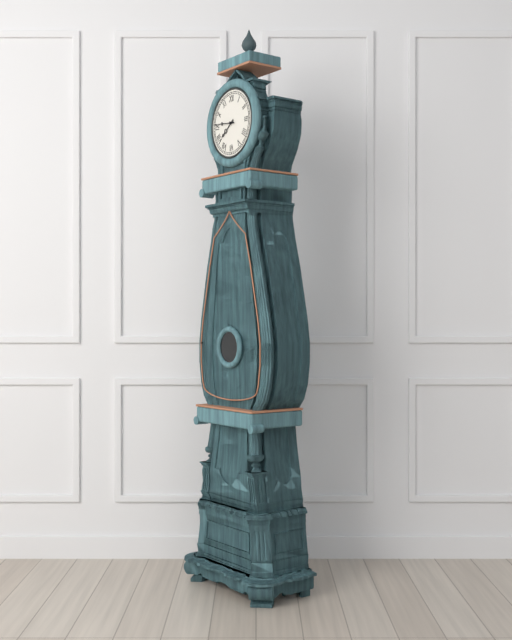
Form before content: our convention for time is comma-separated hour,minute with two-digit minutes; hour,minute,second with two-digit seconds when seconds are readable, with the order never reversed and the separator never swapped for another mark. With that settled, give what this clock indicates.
7,46
